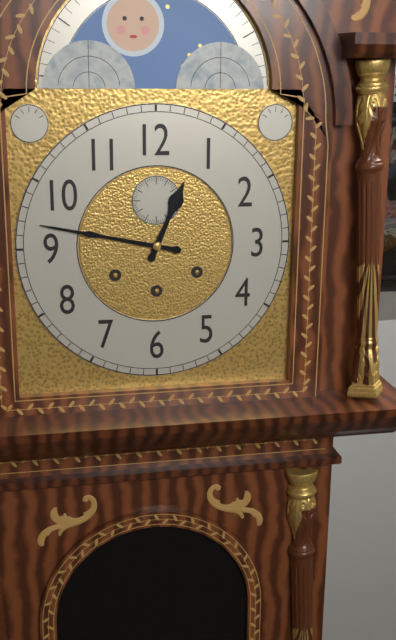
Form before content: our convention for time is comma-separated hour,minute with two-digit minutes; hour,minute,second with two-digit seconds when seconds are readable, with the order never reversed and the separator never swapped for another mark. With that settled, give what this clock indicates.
12,47
